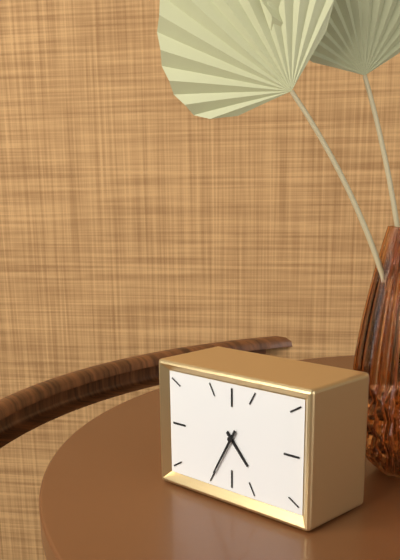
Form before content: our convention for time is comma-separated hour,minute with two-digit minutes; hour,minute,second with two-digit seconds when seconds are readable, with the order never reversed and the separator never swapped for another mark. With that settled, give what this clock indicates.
4,35
